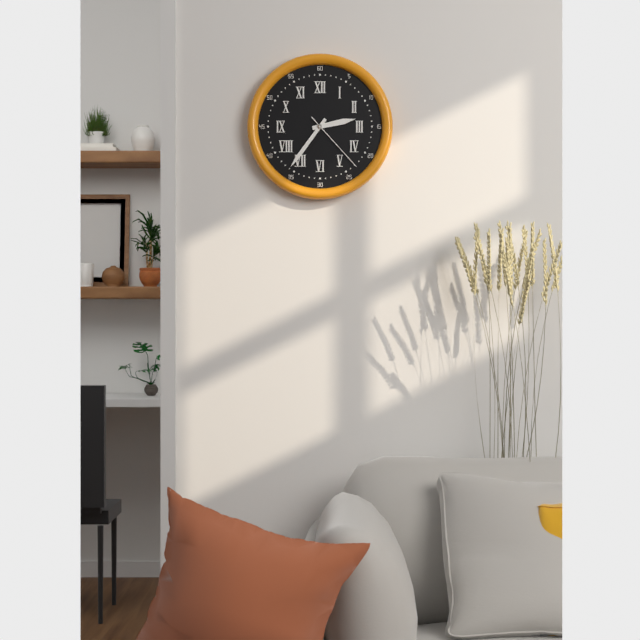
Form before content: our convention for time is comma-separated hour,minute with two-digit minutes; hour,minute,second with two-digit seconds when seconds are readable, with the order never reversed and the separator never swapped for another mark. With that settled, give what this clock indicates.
2,36,23
